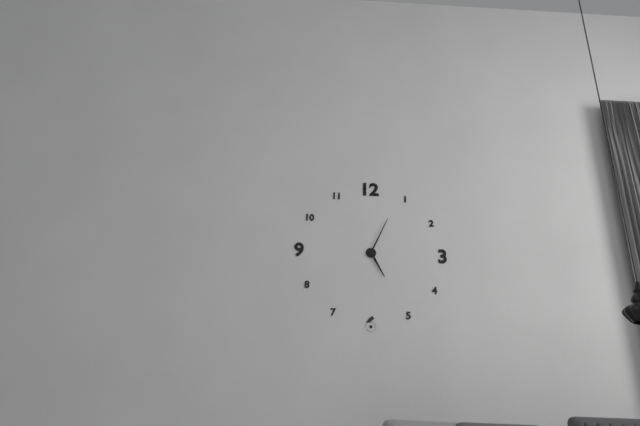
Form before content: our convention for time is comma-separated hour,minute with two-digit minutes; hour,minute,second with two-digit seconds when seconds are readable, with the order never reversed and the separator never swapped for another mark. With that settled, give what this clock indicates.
5,04
